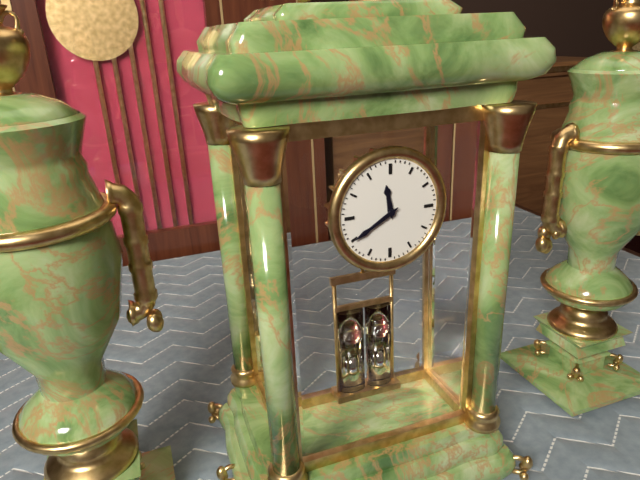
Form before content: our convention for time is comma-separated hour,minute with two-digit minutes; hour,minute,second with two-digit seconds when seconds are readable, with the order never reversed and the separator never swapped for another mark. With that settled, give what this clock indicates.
11,40
